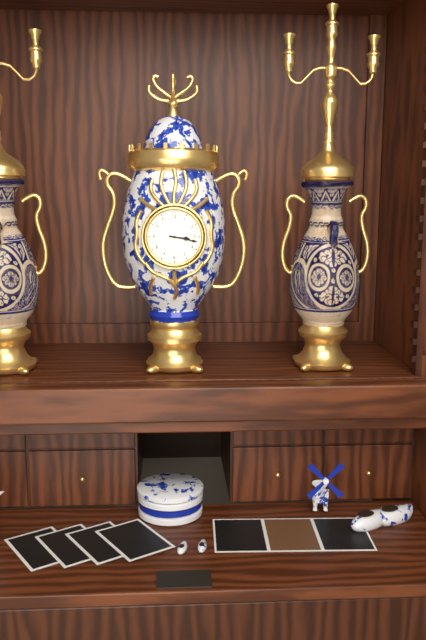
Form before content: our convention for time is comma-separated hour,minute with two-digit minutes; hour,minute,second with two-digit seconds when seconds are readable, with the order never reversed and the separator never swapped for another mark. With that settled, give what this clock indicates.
3,17
